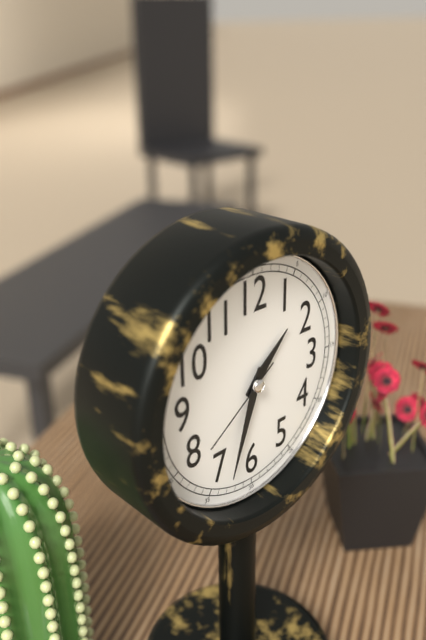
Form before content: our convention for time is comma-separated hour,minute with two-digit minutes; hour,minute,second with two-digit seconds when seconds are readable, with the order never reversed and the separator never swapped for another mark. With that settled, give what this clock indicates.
1,33,39
